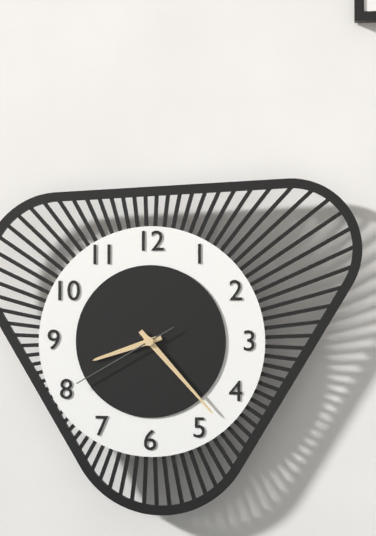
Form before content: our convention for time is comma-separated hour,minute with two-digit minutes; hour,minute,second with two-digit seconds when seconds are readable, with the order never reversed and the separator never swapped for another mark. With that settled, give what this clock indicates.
8,23,40
